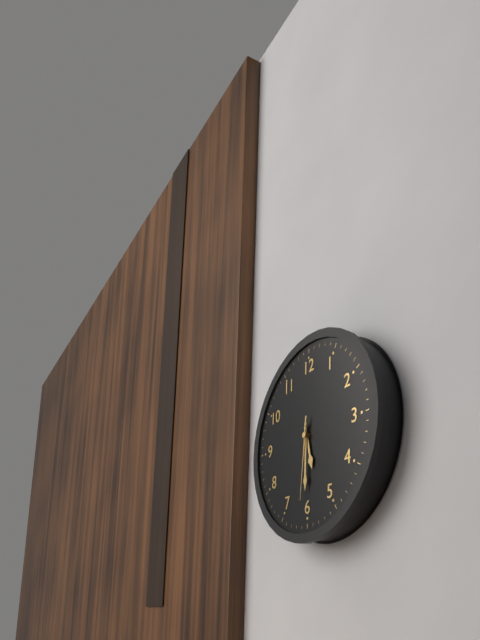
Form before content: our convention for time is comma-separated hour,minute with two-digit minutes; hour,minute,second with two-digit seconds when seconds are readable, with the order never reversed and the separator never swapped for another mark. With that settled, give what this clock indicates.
5,30,31
